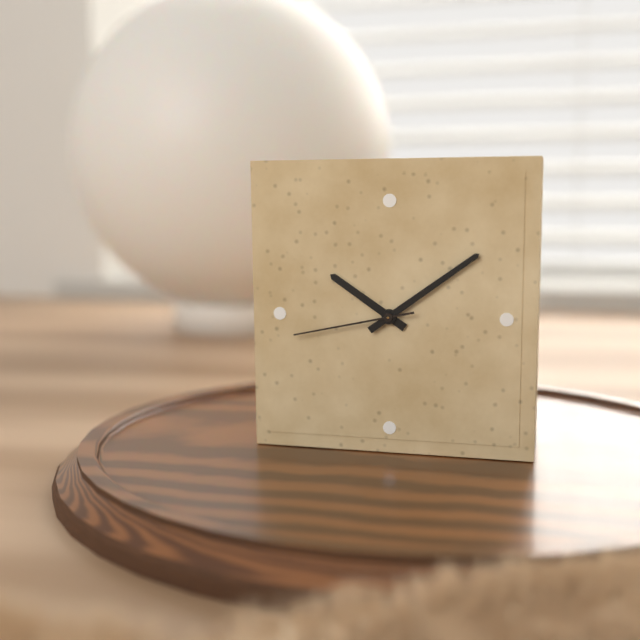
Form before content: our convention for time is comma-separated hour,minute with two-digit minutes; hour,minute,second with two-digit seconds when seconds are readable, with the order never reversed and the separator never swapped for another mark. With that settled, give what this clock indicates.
10,09,43
